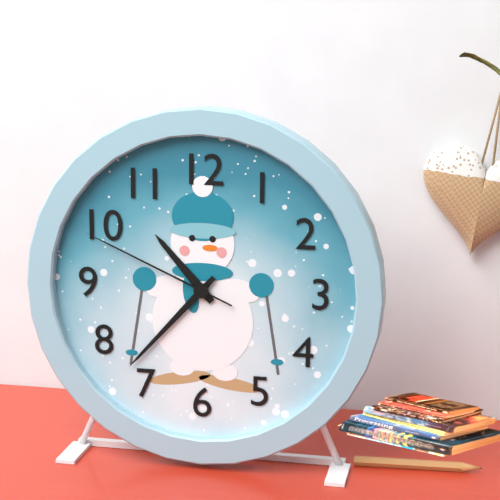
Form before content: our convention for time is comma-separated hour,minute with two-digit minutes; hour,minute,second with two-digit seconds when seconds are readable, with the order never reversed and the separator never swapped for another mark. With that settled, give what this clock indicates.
10,37,49
